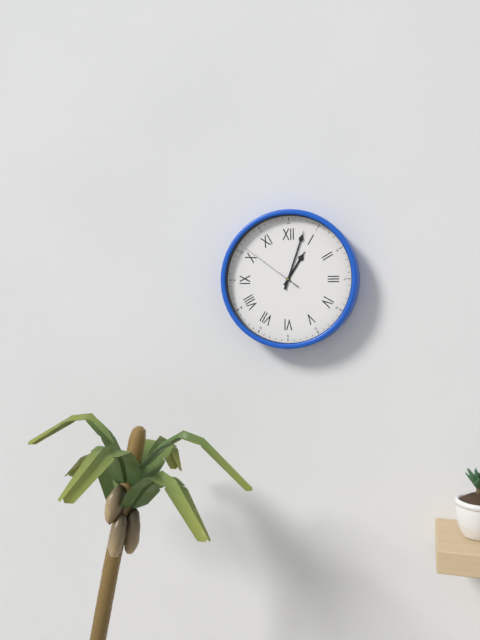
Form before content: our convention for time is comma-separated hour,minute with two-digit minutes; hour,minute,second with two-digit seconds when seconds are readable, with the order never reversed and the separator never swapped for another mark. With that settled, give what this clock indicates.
1,03,51
